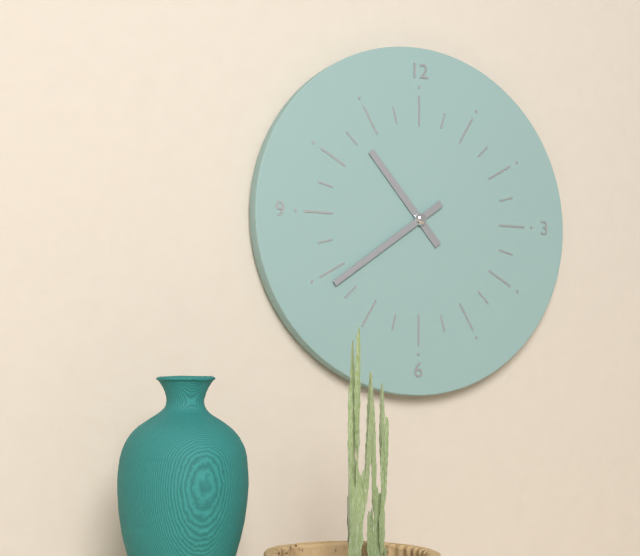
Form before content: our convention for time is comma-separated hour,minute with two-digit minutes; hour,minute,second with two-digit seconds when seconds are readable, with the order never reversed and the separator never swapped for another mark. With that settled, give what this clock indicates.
10,39
